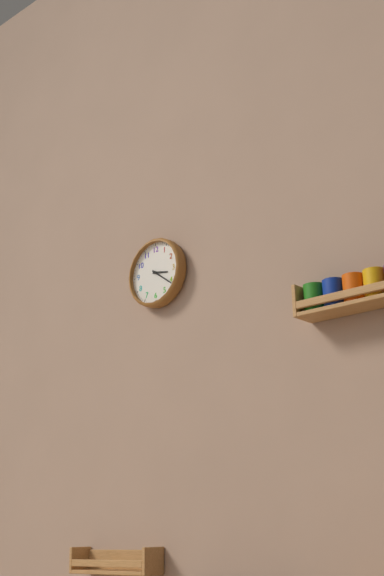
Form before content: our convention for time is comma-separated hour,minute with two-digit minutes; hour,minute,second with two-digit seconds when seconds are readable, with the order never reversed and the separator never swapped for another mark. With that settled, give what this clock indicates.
3,21
